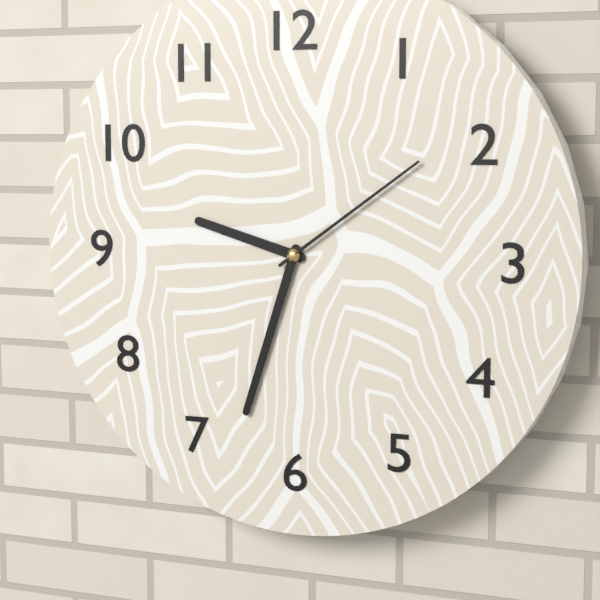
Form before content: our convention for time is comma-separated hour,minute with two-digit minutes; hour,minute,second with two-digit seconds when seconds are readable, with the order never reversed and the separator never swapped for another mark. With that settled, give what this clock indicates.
9,33,09
